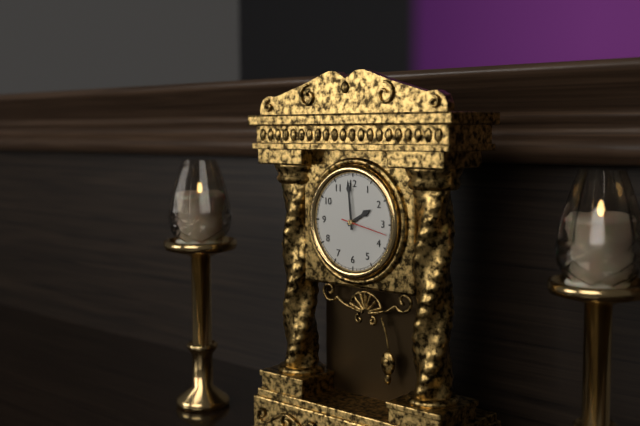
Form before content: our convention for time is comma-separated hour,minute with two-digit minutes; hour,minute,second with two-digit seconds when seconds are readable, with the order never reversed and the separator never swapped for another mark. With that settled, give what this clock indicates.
1,59
